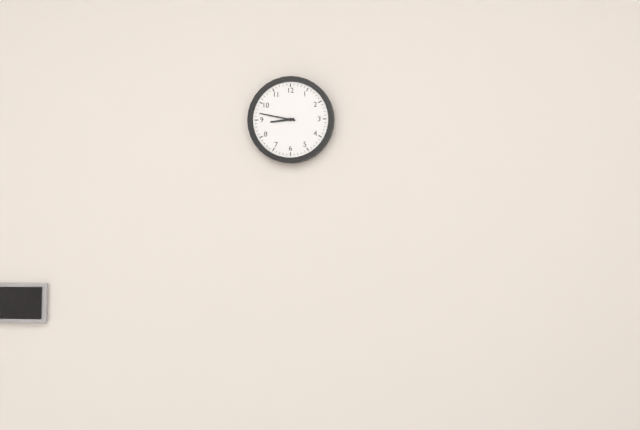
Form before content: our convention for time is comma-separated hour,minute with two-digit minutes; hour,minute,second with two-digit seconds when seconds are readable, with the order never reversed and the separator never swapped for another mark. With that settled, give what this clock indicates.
8,47
